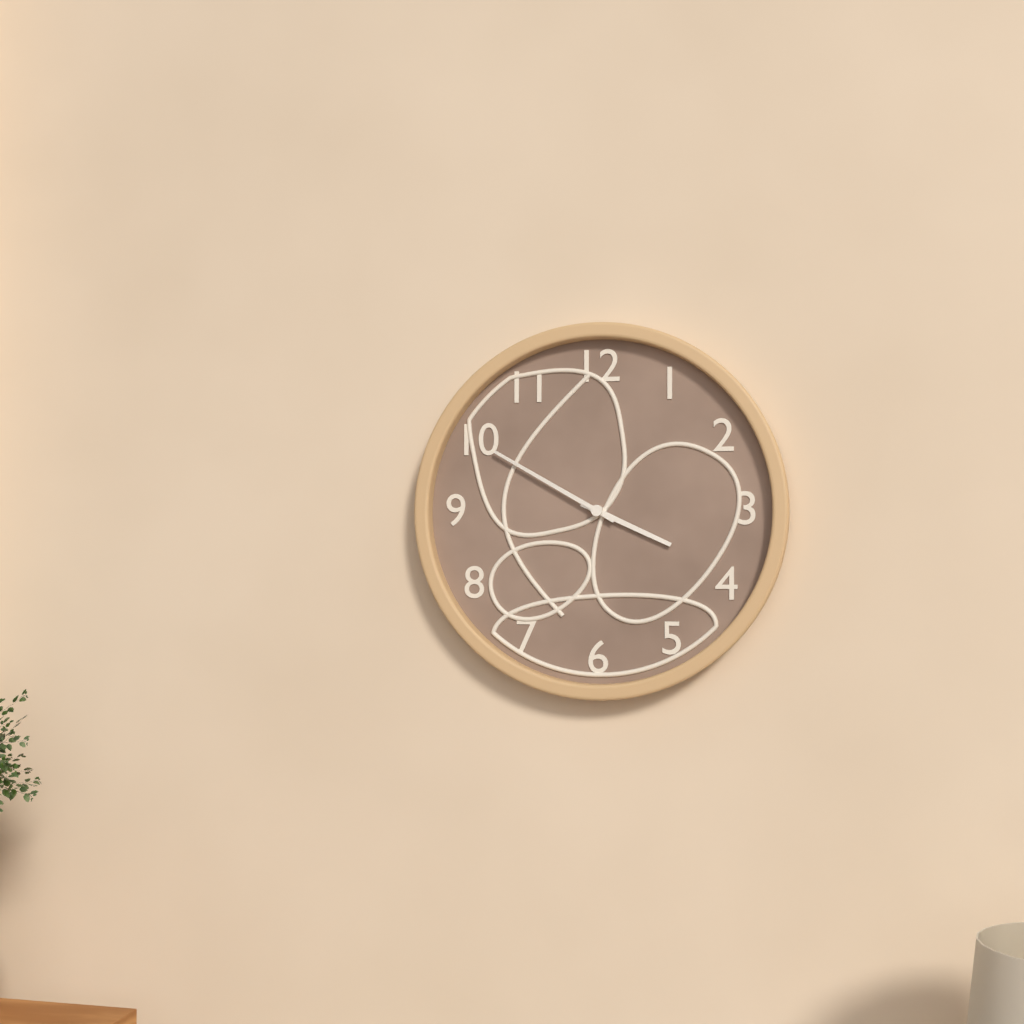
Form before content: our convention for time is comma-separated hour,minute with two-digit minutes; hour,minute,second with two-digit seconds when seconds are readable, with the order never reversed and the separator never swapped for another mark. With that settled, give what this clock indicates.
3,50
